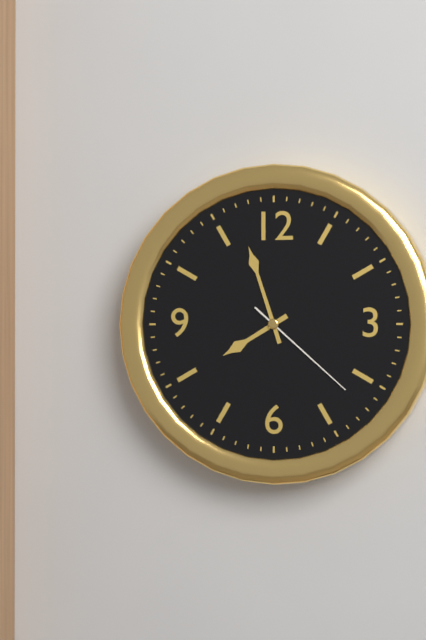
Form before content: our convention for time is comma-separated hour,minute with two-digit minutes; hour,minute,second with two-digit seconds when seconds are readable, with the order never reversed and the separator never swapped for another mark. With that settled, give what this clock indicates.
7,57,22
